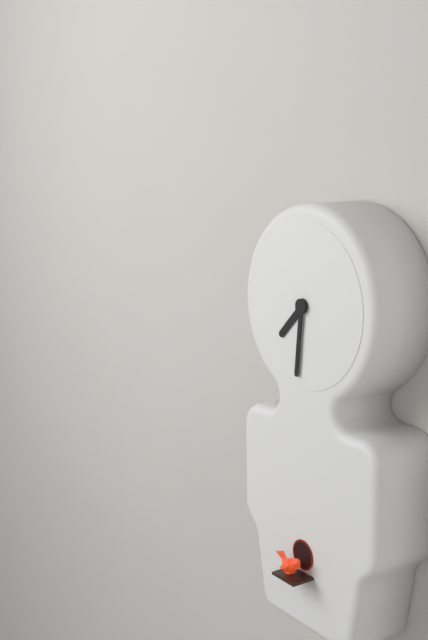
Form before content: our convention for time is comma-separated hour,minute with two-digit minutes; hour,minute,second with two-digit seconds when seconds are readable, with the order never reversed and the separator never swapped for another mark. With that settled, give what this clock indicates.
7,31
